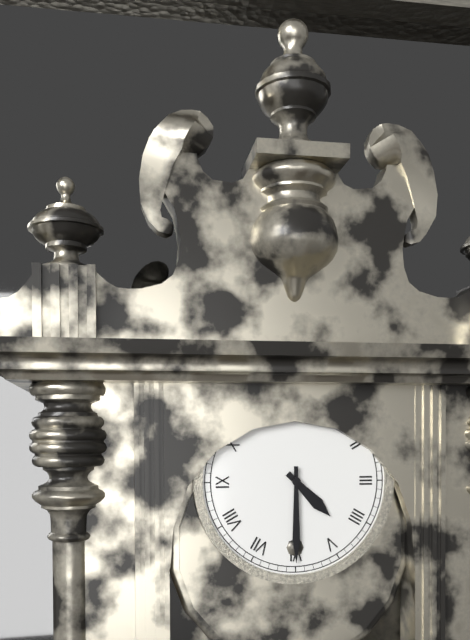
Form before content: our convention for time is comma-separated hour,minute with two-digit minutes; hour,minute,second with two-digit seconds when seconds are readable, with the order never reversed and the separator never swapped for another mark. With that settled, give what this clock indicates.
4,30
